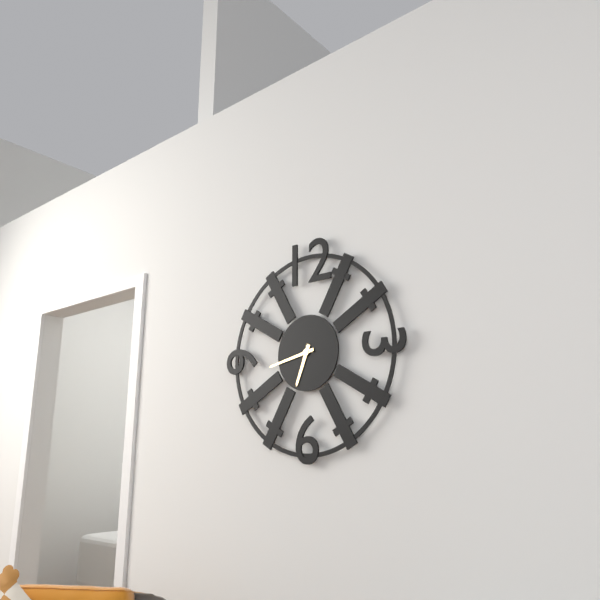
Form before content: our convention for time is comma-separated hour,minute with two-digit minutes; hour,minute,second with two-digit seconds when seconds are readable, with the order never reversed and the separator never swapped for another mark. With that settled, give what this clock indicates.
6,43
